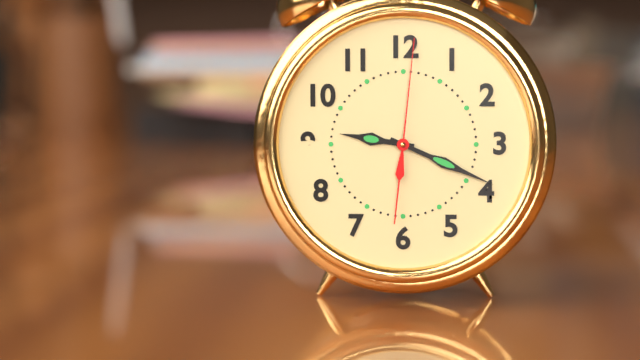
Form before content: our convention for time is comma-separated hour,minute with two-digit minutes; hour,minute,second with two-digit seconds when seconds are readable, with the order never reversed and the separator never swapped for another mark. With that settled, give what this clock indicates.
9,19,01
